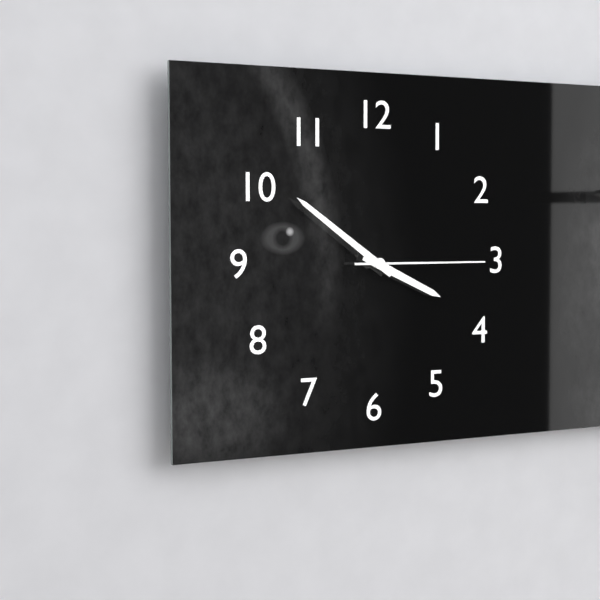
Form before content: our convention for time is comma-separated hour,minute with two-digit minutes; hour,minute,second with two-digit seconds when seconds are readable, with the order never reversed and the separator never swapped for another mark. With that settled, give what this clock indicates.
3,51,15
